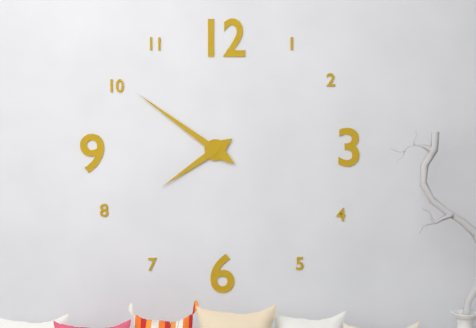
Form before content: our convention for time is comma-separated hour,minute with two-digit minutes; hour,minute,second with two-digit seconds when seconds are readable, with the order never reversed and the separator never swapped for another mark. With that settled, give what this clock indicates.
7,51
